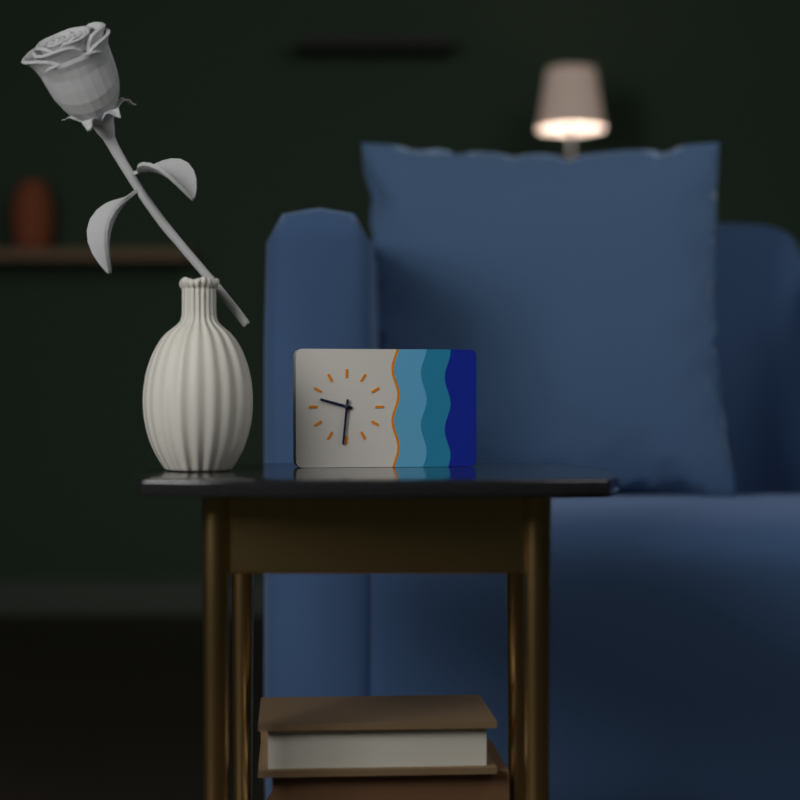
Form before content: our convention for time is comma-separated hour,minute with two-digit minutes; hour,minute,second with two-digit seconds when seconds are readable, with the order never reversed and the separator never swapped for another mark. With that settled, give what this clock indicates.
9,31
